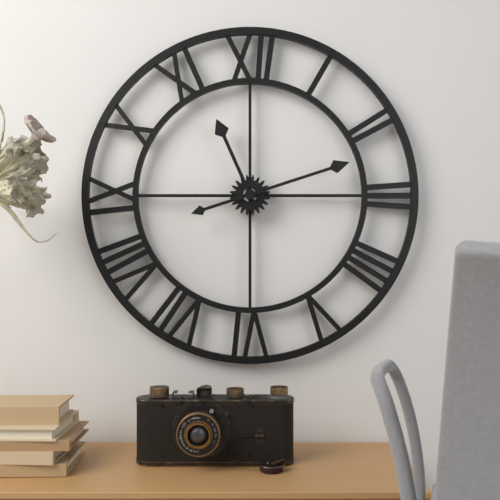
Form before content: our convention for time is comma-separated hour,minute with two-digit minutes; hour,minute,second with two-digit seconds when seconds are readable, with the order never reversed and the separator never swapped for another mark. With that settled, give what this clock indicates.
11,12
